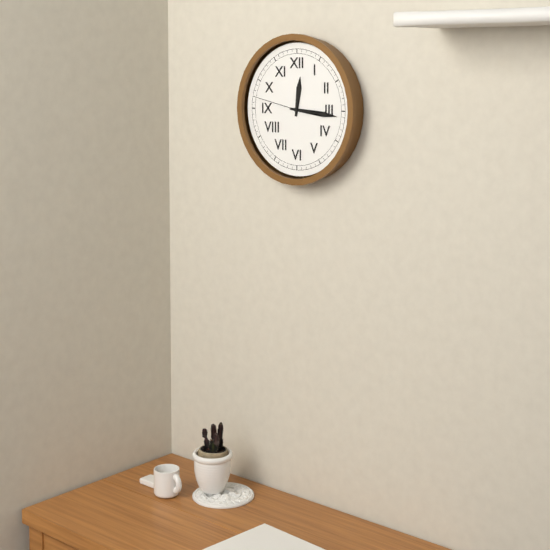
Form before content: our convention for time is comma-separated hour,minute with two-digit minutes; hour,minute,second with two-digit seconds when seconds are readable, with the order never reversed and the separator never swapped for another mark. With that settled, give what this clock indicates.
12,16,47
